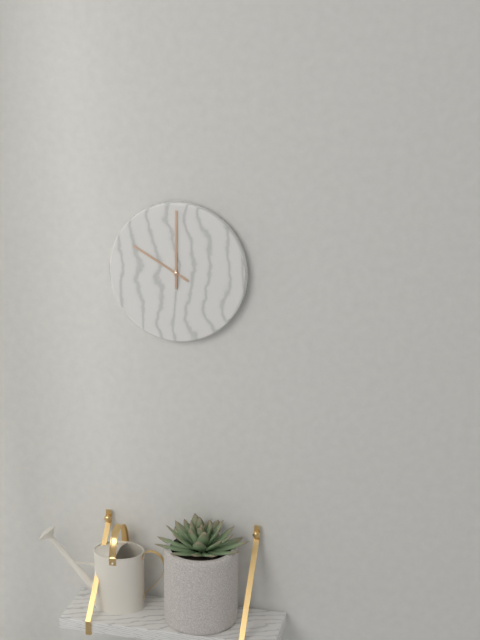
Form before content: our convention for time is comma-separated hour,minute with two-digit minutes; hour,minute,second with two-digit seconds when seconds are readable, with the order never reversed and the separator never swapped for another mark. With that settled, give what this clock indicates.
10,00
